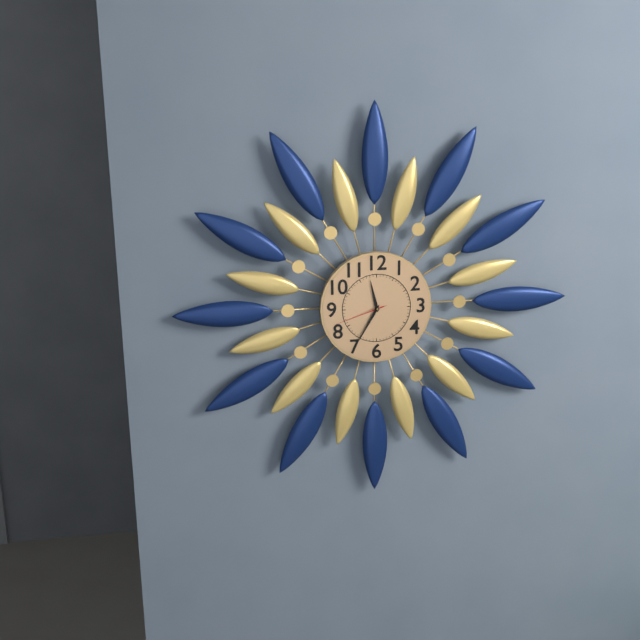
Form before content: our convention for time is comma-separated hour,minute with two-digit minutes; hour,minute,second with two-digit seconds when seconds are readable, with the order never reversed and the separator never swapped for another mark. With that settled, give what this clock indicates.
11,35,42
